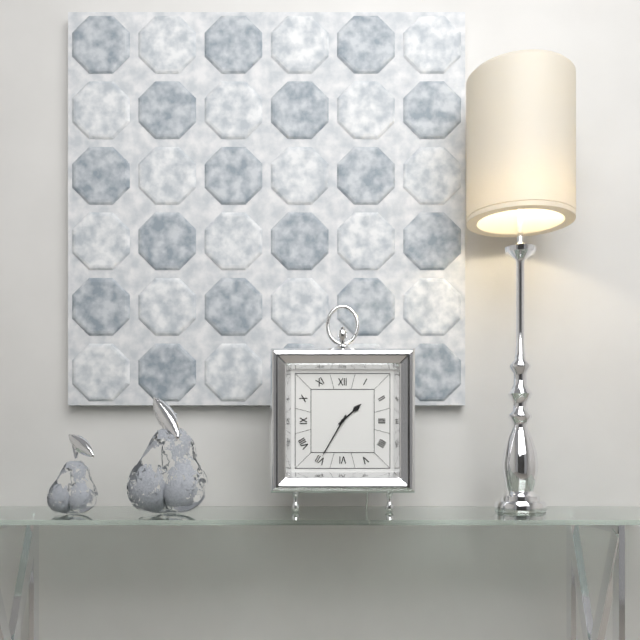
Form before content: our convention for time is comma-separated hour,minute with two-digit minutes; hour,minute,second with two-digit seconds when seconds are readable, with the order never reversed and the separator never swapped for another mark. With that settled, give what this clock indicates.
1,35
